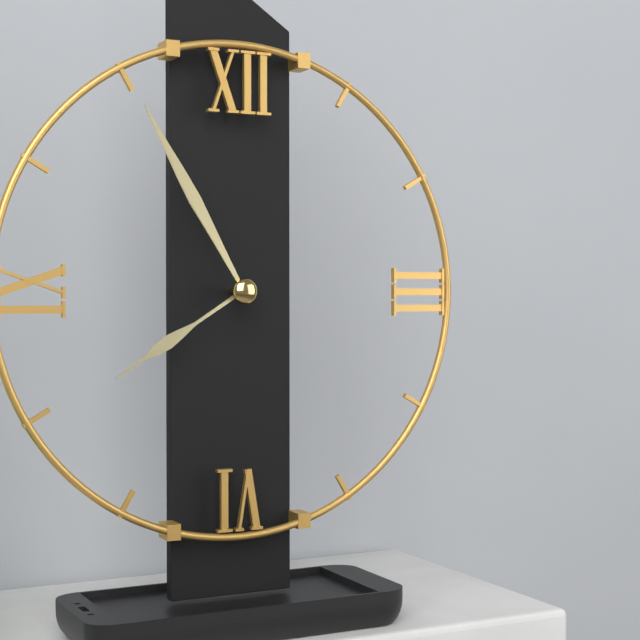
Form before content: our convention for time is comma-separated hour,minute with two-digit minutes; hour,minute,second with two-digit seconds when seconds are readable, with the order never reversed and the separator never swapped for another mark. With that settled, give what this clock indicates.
7,55
